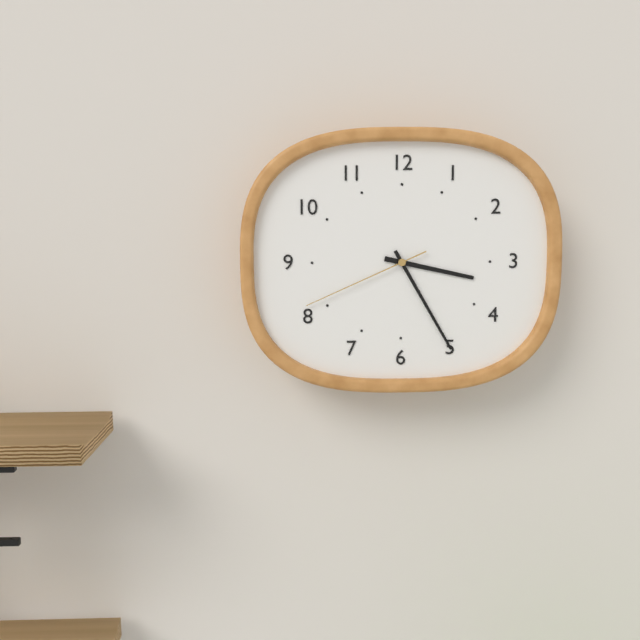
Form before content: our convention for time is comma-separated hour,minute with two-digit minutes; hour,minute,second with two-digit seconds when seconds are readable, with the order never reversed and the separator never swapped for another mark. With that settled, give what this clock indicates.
3,25,41
